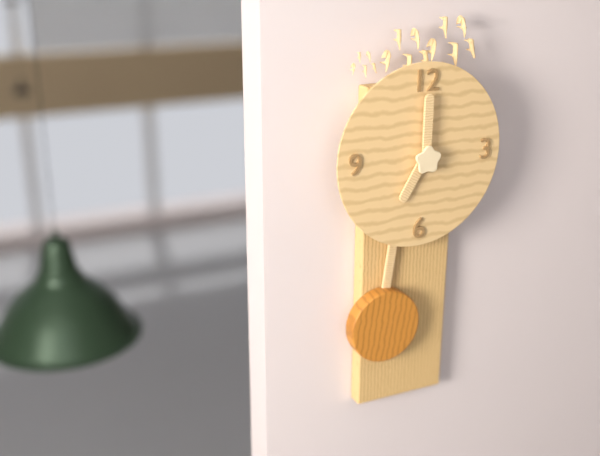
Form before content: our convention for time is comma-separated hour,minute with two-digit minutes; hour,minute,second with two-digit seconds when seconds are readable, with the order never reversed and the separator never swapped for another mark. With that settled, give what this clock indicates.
7,00
